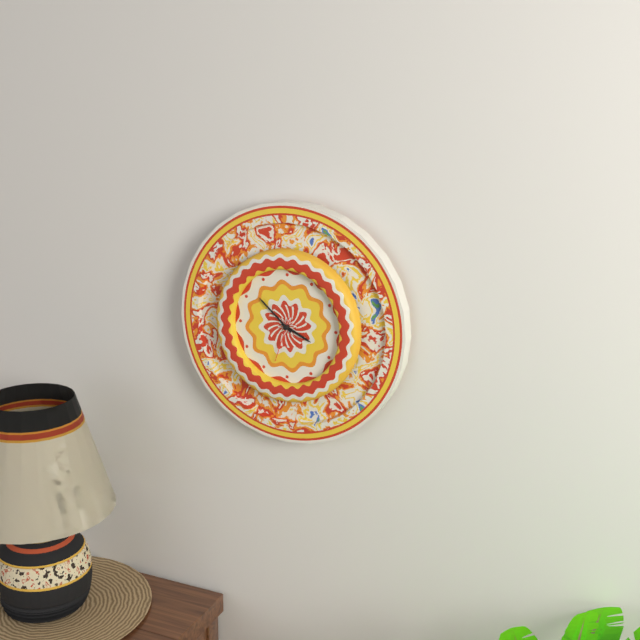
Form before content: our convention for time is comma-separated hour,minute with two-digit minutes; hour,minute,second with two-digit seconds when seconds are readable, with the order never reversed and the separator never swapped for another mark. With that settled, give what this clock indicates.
3,52
